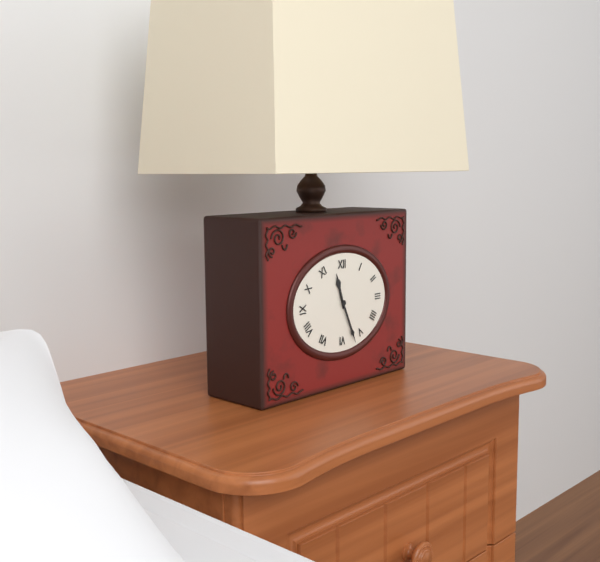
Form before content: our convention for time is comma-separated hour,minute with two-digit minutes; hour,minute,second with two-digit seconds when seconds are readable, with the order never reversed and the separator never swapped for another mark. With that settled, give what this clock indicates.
11,26
